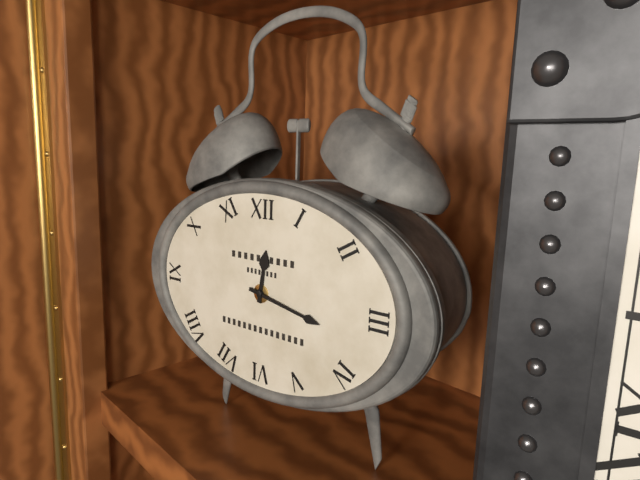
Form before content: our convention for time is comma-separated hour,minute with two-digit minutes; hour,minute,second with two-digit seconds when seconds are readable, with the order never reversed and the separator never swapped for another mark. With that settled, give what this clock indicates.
12,17
